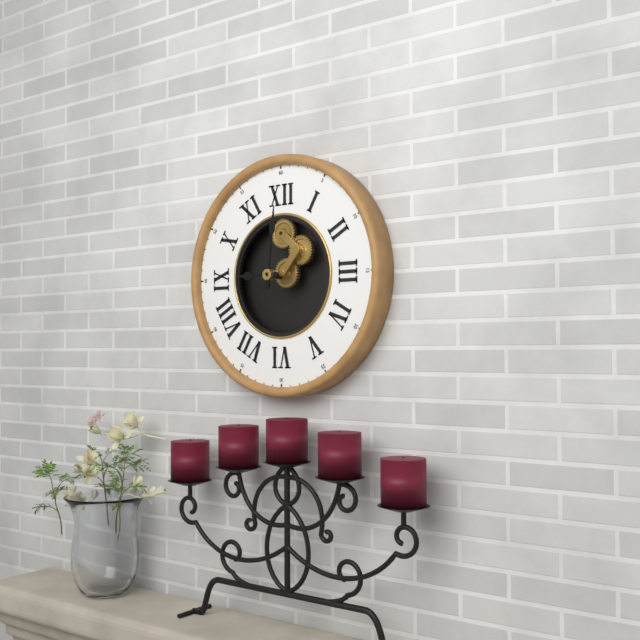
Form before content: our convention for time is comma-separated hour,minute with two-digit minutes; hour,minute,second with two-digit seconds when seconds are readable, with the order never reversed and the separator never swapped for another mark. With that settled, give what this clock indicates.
9,01
